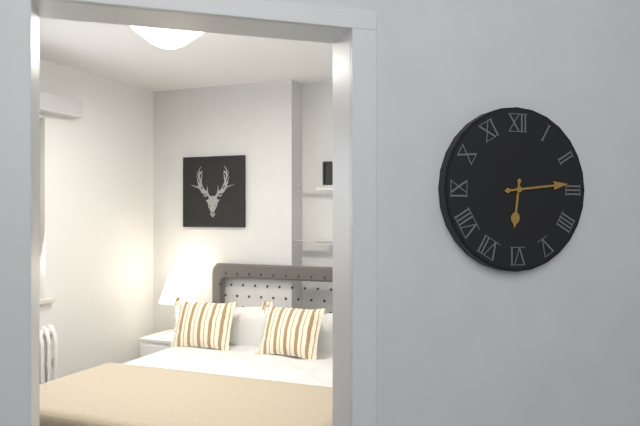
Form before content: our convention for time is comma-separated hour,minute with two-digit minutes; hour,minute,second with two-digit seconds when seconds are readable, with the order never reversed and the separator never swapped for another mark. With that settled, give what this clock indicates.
6,14
